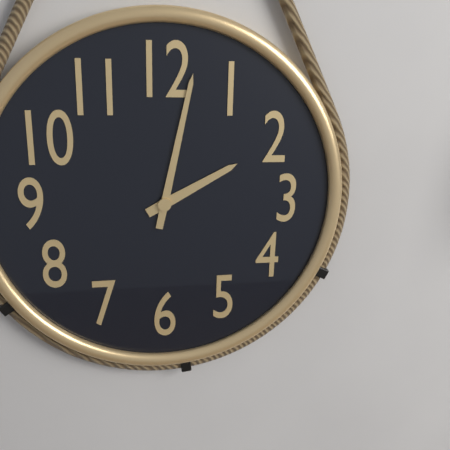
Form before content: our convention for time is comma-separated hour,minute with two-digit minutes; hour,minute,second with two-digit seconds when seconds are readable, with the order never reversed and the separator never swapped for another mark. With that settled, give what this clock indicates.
2,02
